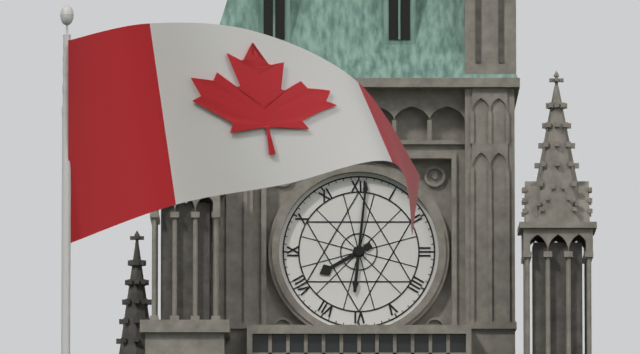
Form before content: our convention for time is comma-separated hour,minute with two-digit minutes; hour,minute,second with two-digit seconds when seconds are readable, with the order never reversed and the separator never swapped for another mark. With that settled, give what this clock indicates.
8,01
